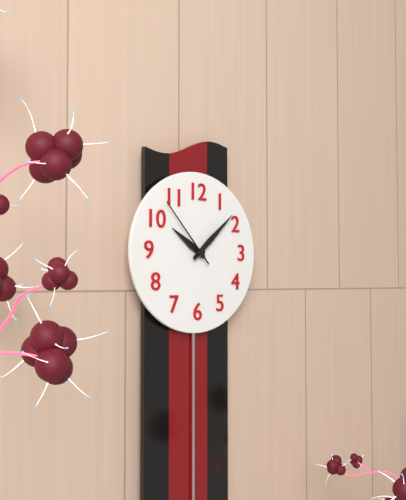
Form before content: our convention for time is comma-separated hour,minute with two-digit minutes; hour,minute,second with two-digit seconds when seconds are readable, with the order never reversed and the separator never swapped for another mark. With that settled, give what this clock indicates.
10,08,53
